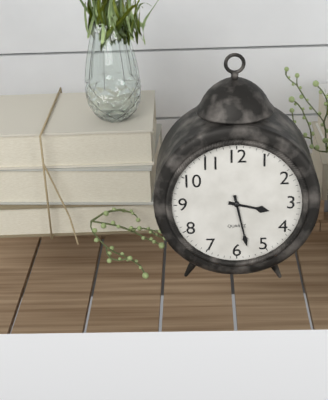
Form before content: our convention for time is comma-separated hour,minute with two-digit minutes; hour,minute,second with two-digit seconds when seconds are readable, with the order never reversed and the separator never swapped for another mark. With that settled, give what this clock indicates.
3,28
